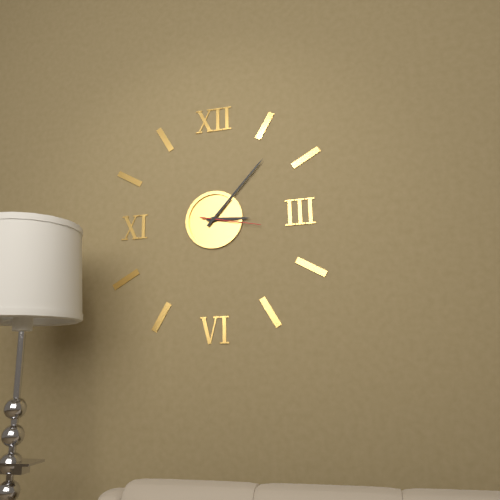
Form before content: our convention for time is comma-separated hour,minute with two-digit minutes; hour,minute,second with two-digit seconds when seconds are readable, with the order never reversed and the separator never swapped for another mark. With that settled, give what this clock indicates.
3,07,17
